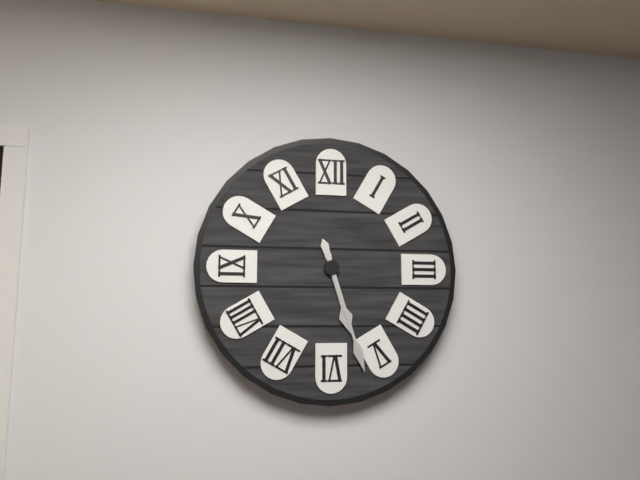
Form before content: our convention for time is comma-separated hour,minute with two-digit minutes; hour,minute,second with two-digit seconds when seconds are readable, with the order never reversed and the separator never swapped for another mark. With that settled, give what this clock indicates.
5,27
